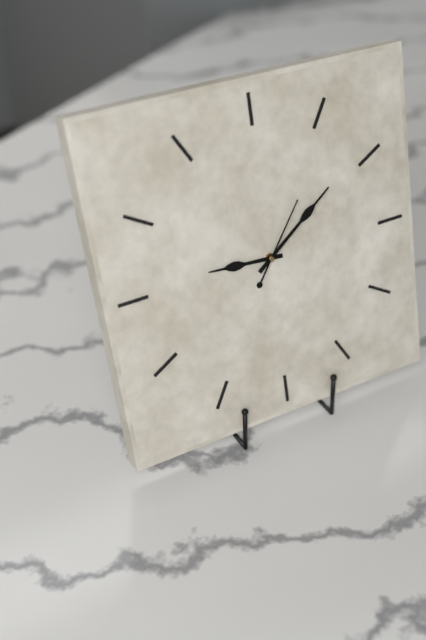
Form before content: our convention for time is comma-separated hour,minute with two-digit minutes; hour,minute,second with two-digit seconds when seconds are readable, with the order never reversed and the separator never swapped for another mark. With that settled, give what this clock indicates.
9,09,06
